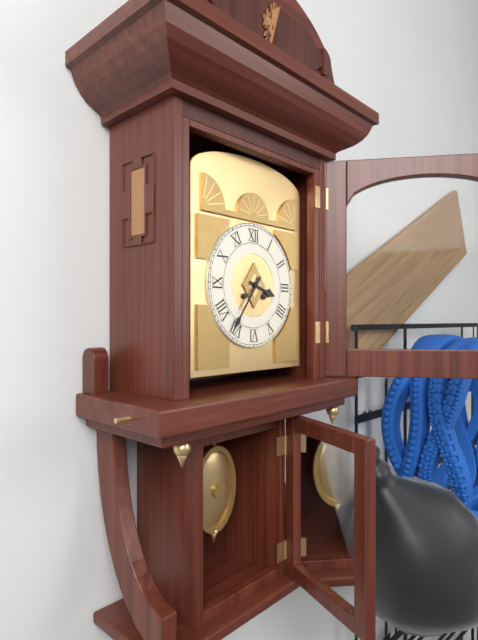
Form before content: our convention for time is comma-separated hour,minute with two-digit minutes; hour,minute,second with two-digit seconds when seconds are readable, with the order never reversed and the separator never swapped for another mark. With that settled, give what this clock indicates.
3,36
